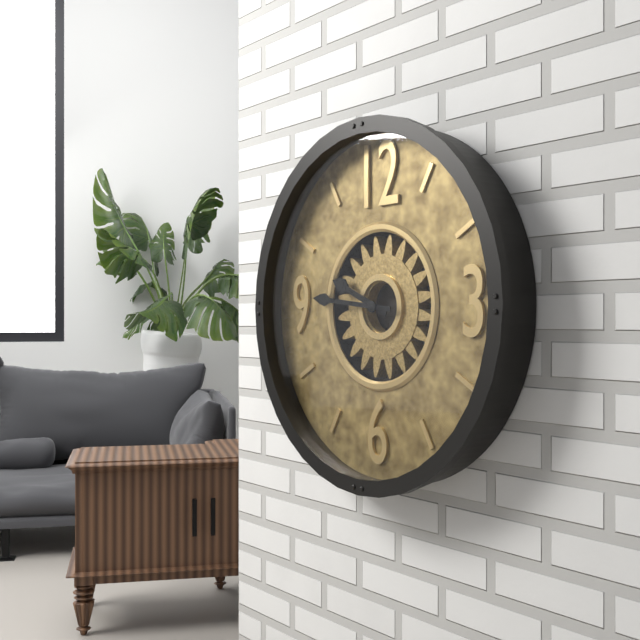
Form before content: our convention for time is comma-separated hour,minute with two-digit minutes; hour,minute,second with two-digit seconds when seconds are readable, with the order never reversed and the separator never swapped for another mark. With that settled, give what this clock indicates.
9,46
